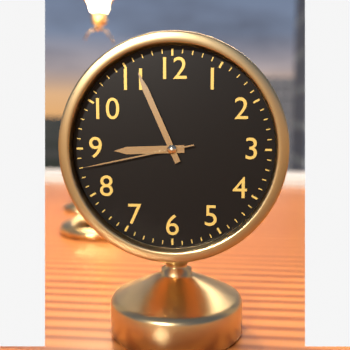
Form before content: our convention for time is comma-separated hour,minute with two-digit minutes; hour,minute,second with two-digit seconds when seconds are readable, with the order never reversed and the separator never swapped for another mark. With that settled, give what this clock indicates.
8,56,43
